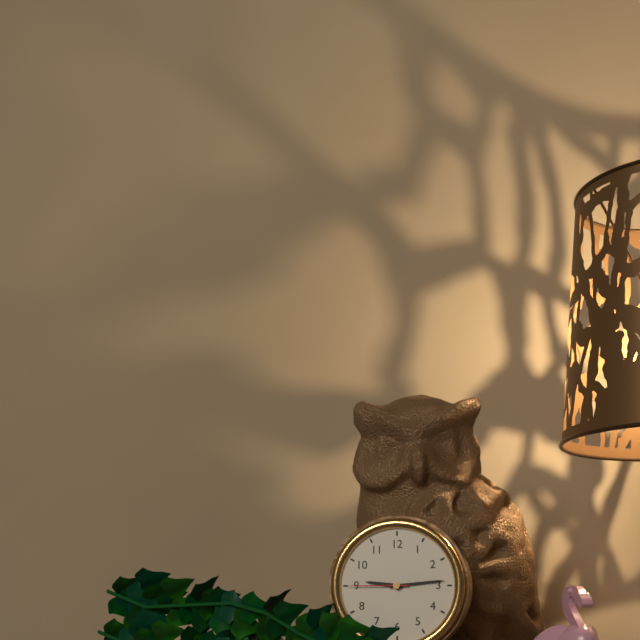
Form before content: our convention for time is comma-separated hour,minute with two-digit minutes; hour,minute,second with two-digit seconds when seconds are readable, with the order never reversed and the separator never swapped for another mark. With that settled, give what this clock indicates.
9,14,45
